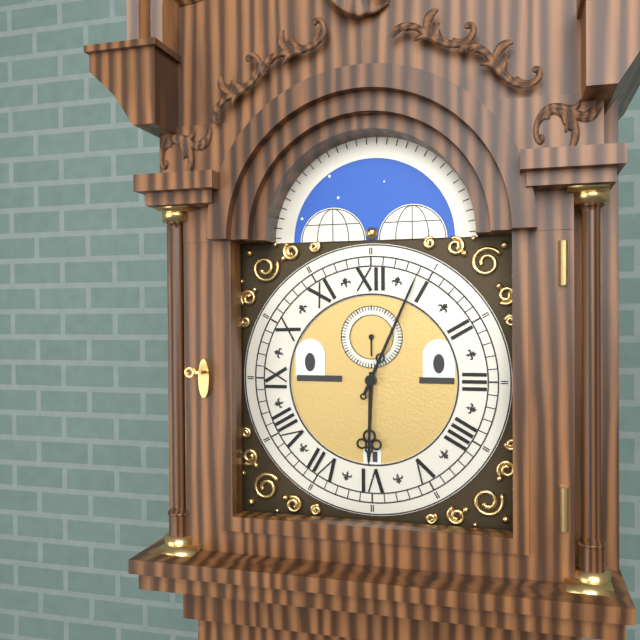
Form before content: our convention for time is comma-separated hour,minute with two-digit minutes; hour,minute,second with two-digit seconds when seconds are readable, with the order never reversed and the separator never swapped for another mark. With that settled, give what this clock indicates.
6,04
